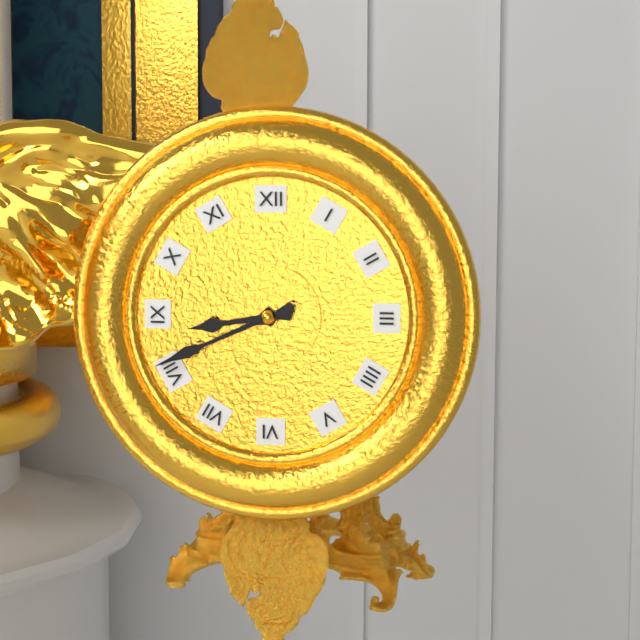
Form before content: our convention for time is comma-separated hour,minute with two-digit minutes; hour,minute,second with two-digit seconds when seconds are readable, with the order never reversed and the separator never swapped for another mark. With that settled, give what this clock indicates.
8,41
